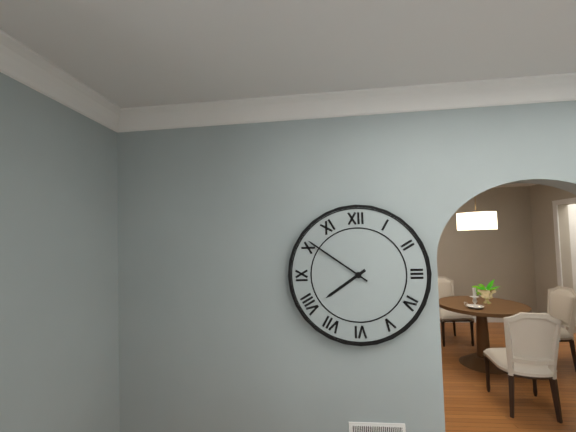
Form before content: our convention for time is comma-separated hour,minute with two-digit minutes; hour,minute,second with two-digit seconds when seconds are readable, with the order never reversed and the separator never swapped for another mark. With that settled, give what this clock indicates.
7,51
